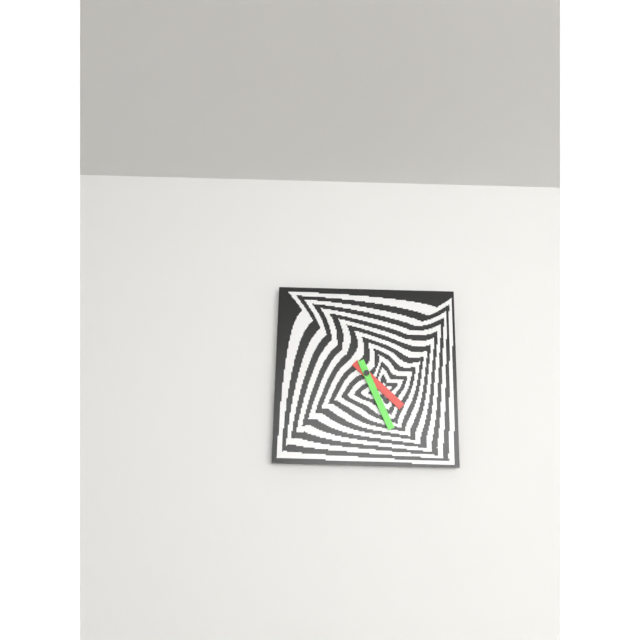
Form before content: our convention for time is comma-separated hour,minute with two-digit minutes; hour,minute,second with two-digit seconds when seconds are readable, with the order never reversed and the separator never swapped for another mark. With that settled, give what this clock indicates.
4,26
